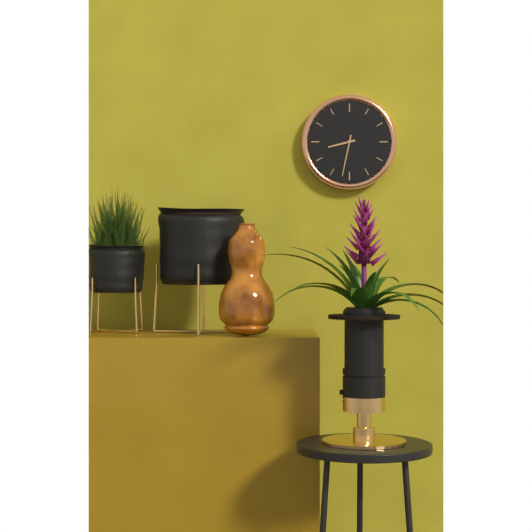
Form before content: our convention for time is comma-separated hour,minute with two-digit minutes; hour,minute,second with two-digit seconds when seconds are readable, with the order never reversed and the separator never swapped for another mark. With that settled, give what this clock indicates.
8,32
